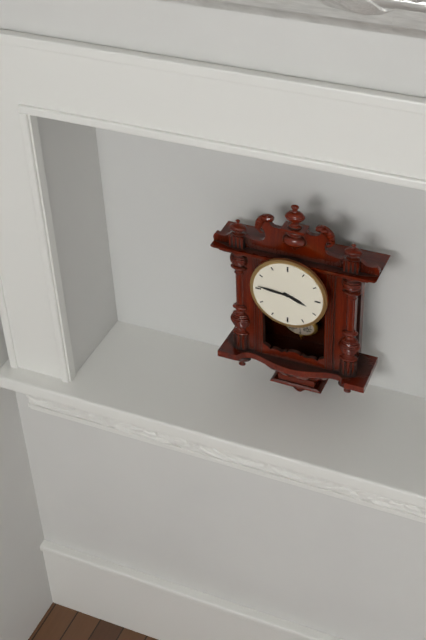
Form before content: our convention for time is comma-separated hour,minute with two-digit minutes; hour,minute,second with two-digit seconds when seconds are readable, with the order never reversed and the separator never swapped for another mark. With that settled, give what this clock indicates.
3,46
